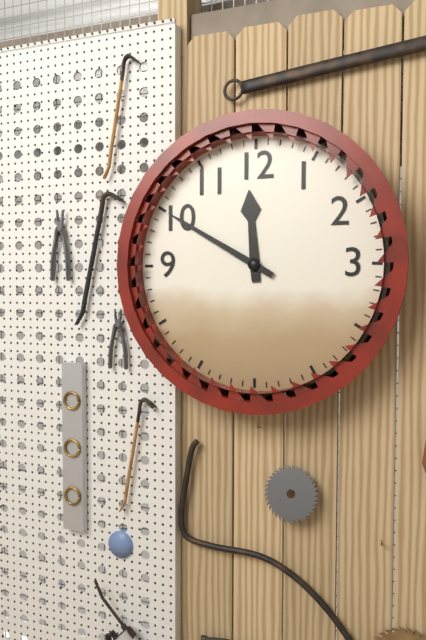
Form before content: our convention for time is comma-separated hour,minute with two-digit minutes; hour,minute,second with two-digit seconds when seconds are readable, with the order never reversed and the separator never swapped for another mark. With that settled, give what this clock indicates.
11,50
